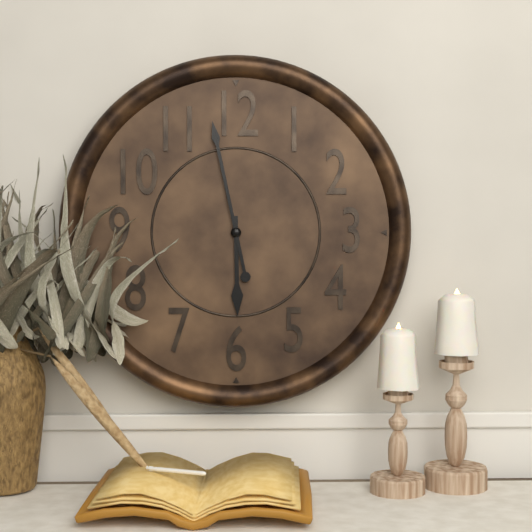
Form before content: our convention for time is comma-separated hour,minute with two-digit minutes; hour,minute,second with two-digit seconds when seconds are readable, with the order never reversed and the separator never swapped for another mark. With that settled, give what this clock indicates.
5,58
